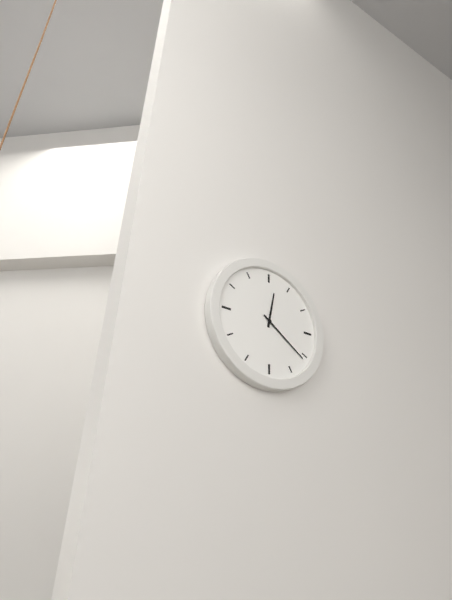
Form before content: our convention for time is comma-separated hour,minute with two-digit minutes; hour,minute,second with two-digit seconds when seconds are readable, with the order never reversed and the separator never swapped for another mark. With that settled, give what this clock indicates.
12,21
